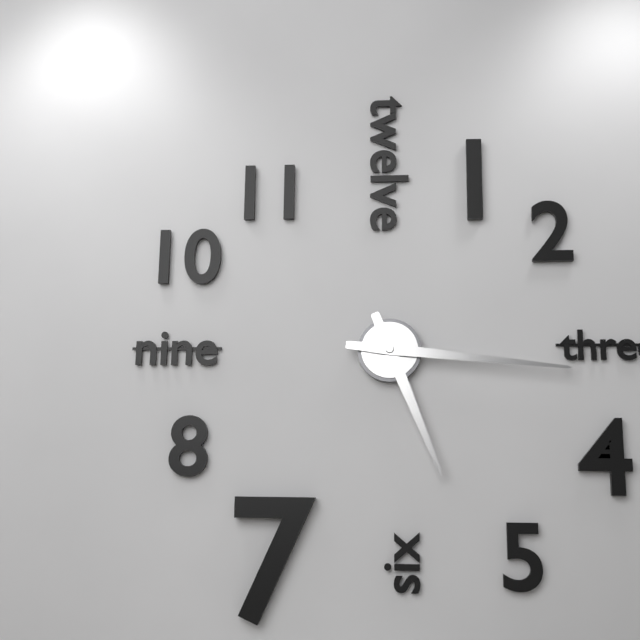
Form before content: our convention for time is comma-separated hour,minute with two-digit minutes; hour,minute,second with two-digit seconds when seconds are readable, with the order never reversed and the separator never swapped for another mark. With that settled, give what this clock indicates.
5,16
